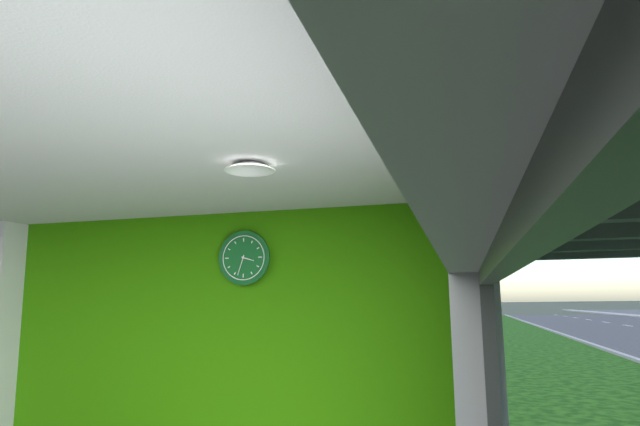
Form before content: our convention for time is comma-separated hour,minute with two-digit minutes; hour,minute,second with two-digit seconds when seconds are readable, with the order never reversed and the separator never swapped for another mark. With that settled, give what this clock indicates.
3,33
